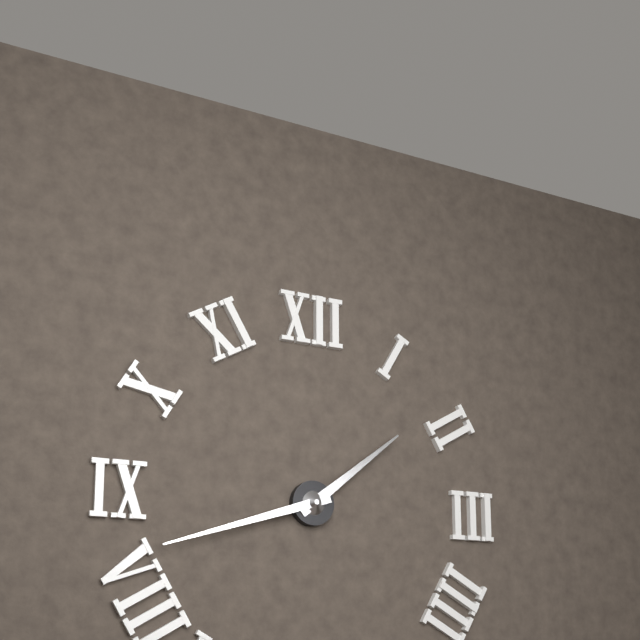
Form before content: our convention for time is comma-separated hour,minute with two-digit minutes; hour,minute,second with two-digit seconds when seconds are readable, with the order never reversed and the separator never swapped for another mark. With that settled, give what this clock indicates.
1,42
